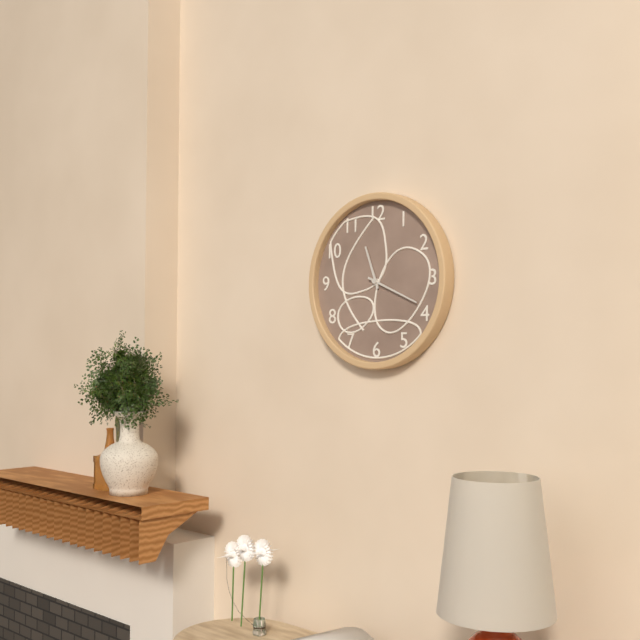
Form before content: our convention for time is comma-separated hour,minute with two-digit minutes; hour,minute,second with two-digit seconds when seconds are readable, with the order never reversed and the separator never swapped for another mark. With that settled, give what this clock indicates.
11,19
